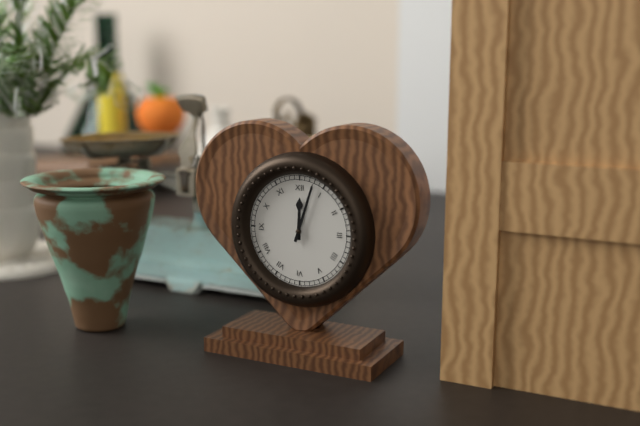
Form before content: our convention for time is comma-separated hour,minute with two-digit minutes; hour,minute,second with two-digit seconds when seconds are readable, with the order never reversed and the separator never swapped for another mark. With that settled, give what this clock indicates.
12,03
